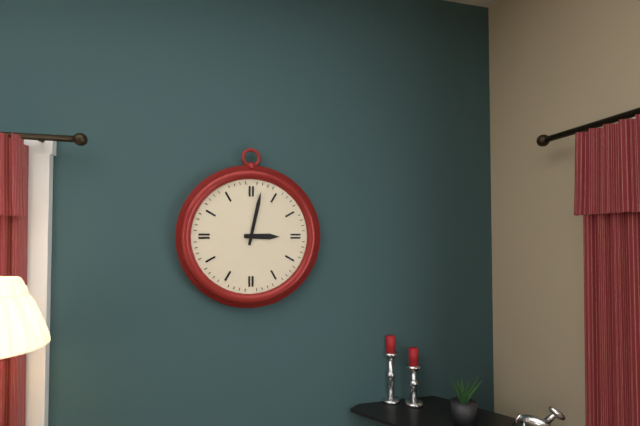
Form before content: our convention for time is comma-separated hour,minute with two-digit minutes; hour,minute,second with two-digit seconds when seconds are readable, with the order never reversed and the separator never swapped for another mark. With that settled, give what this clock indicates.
3,02
